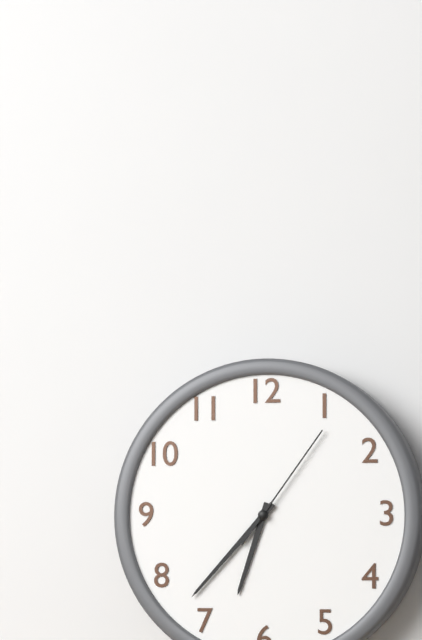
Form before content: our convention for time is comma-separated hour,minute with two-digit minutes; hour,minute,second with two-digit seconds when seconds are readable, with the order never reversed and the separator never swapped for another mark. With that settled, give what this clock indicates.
6,37,06
